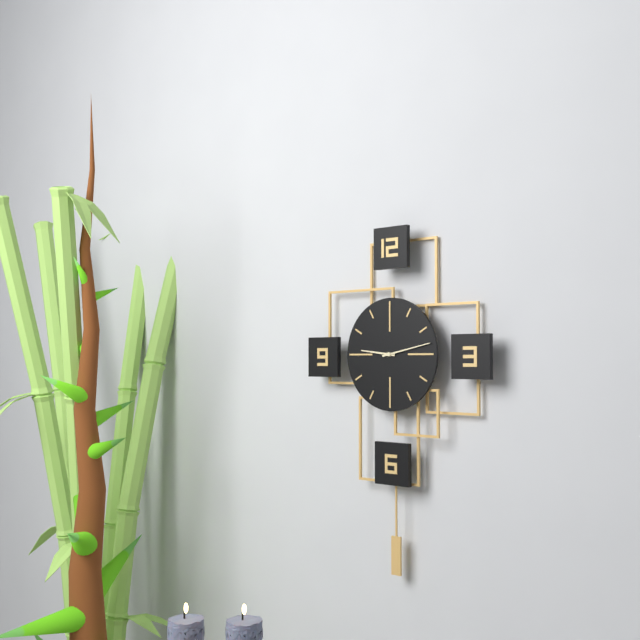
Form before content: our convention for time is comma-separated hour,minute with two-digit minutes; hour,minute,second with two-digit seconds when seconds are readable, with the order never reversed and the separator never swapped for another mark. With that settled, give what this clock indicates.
9,13
